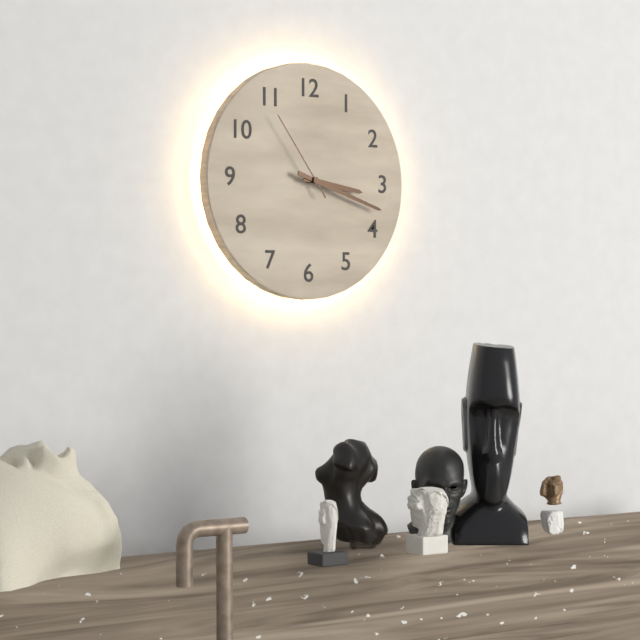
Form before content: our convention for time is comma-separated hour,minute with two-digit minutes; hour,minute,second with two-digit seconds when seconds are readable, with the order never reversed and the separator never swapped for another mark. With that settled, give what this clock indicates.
3,18,54
